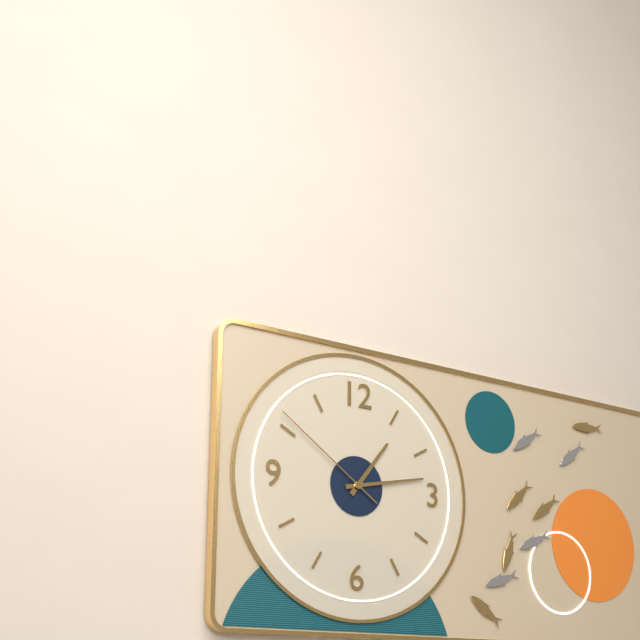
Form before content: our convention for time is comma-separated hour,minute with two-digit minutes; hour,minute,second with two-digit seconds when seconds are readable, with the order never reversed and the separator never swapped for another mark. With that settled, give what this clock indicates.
1,13,51
